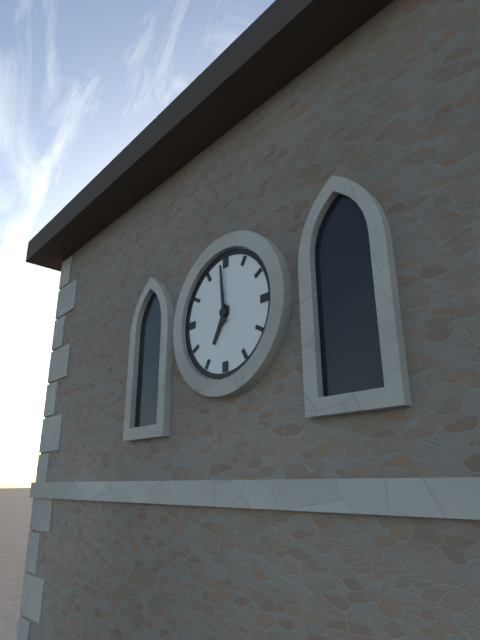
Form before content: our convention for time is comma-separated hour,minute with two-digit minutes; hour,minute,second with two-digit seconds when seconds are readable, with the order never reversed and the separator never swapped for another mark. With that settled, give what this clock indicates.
6,59
